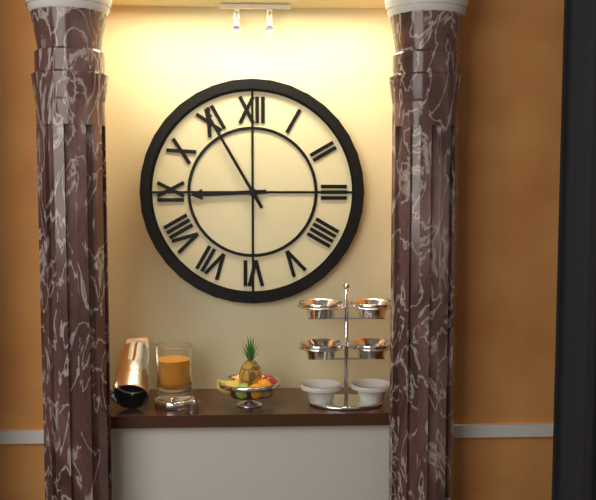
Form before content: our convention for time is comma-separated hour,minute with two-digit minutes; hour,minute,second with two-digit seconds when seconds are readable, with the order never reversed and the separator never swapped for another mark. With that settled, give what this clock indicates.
8,55
